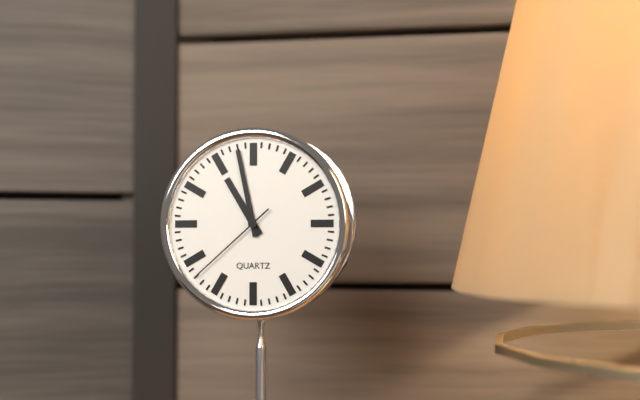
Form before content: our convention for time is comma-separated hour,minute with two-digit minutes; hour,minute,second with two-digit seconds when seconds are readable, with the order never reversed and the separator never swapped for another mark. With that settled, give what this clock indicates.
10,58,38
